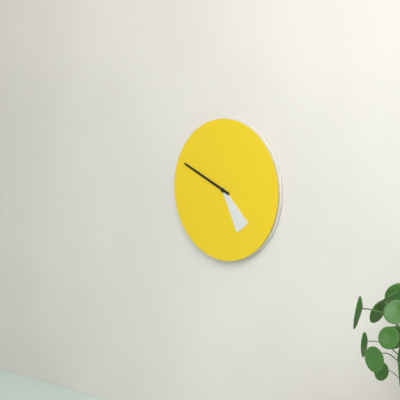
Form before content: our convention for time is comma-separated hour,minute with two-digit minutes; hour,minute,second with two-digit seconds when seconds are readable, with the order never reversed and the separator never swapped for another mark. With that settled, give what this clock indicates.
4,49
